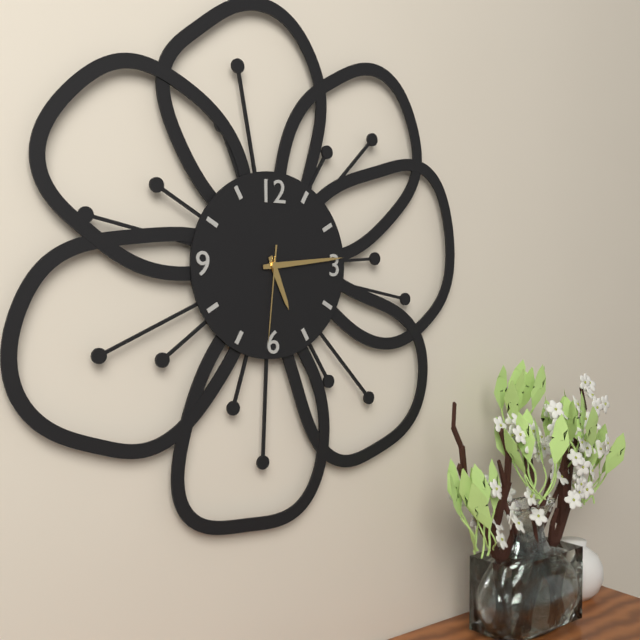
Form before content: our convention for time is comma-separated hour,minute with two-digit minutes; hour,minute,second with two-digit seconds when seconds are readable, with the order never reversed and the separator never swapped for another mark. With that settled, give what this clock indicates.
5,14,31
